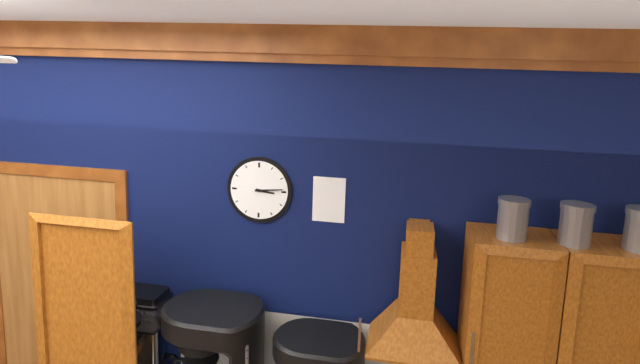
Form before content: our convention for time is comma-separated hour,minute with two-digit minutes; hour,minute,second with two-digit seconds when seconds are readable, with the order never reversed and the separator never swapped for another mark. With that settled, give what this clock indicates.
3,14
